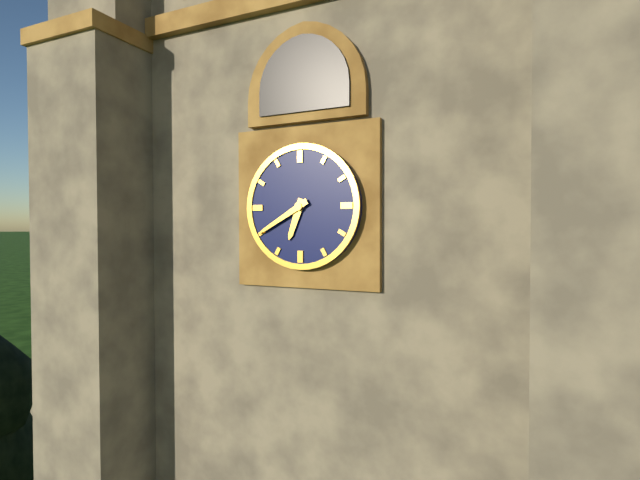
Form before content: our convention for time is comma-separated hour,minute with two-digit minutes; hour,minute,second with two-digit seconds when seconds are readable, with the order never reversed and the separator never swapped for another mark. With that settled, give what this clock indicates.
6,40
